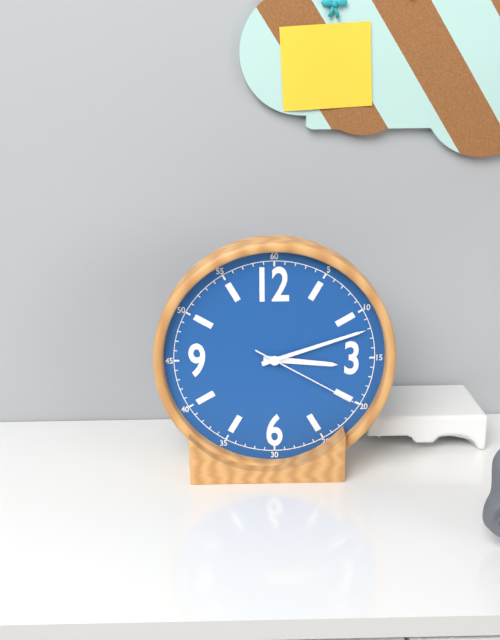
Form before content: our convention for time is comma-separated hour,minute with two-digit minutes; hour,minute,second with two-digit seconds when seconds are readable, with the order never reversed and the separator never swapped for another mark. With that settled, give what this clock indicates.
3,12,20
